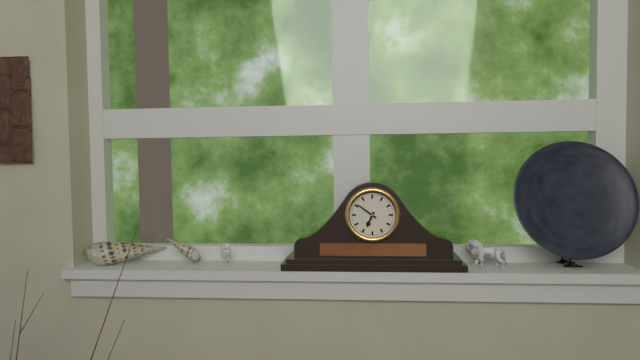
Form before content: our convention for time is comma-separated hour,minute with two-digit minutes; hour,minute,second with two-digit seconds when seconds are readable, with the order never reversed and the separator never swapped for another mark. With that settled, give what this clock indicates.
6,51
